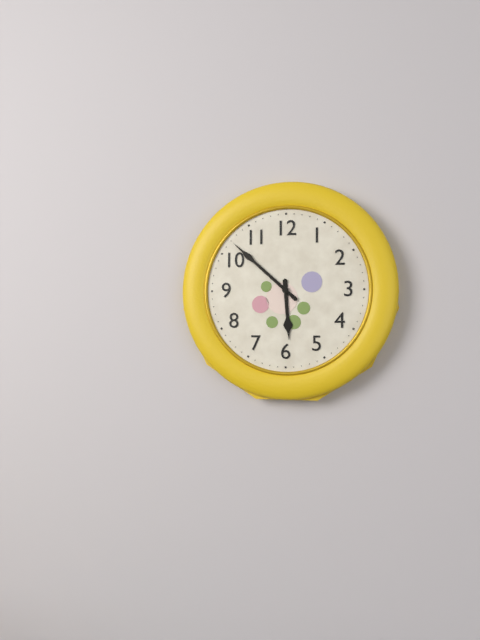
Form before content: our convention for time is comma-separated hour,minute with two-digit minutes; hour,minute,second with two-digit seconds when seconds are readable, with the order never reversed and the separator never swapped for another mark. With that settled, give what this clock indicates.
5,52
